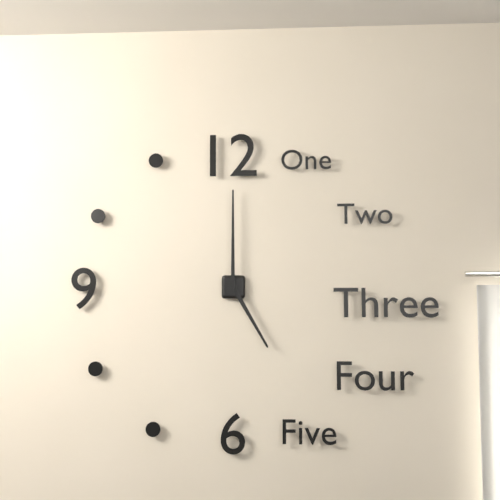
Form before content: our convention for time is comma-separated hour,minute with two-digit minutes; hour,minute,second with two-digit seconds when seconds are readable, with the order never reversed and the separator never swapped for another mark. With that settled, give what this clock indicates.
5,00
